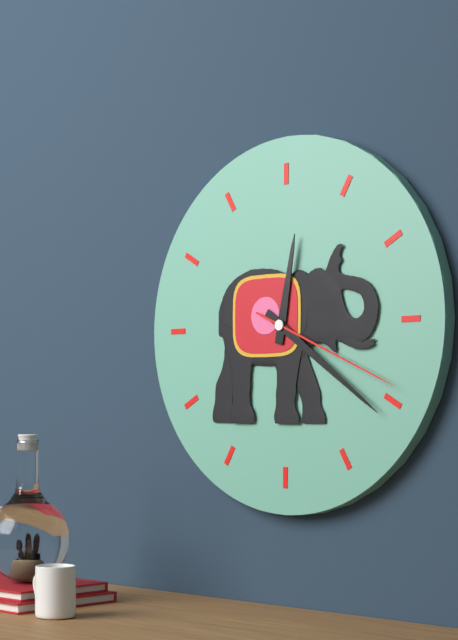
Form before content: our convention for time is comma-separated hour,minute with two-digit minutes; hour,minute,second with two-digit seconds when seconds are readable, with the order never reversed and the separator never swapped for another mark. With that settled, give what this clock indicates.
12,21,19
